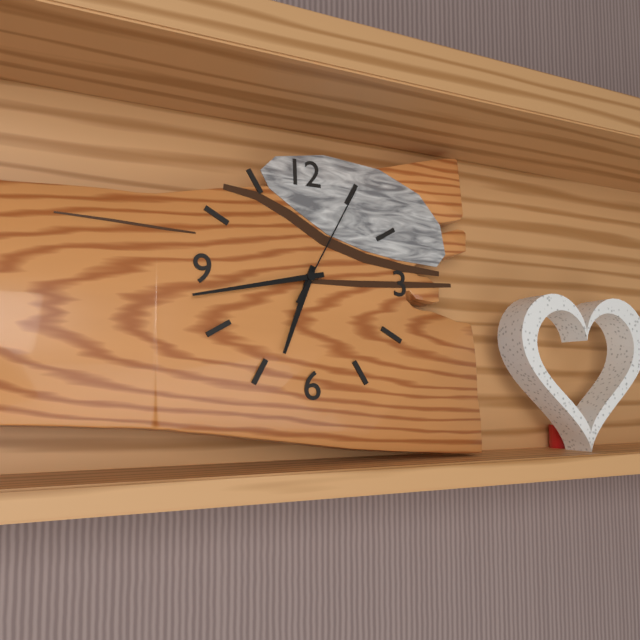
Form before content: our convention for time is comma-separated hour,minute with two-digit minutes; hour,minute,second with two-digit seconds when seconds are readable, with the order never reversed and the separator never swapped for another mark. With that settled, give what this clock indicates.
6,43,05
